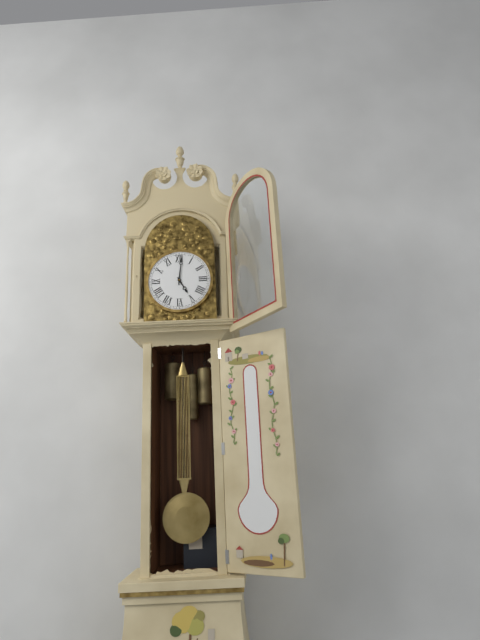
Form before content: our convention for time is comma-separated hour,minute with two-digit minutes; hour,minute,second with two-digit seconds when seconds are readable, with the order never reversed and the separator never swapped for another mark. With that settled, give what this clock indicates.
5,01
